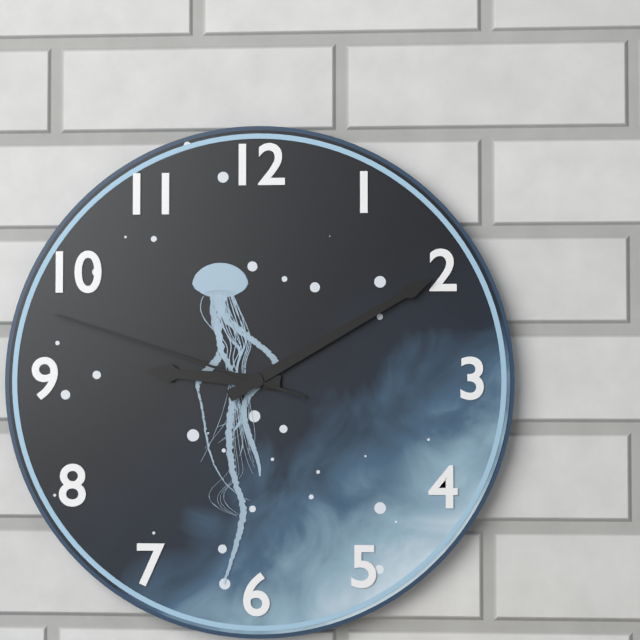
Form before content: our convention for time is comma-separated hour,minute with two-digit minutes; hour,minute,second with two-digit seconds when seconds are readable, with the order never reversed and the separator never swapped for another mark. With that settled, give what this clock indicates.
9,10,48
